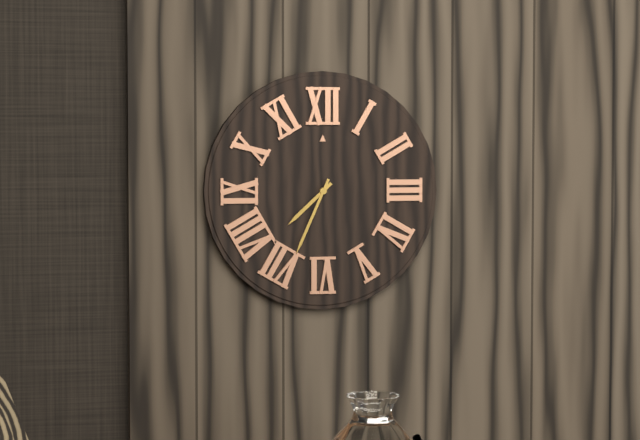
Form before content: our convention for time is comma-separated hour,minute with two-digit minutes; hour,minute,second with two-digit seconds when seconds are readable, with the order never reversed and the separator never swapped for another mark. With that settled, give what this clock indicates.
7,34
